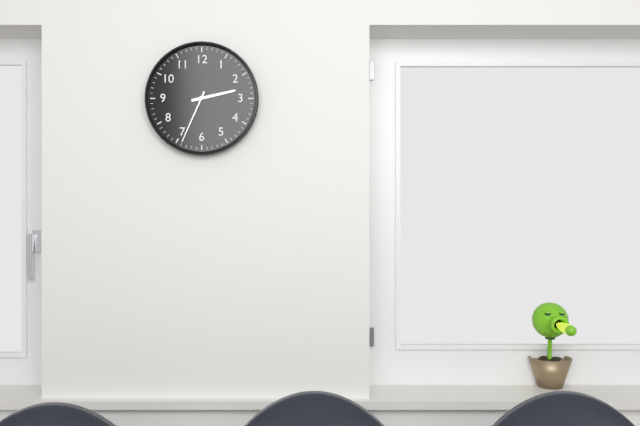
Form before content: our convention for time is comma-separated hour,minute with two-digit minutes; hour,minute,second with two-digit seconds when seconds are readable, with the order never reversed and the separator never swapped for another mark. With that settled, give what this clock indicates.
2,34
